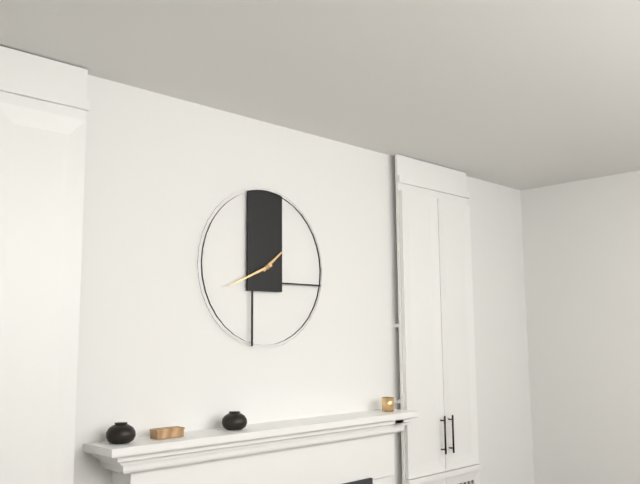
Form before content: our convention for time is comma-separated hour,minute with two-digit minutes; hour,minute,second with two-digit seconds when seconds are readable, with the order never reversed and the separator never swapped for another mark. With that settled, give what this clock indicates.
1,41
